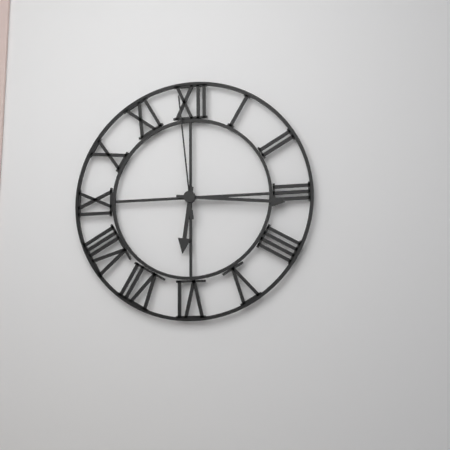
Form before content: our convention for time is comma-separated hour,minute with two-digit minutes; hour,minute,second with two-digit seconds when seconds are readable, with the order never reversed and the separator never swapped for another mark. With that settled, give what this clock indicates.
6,16,59
